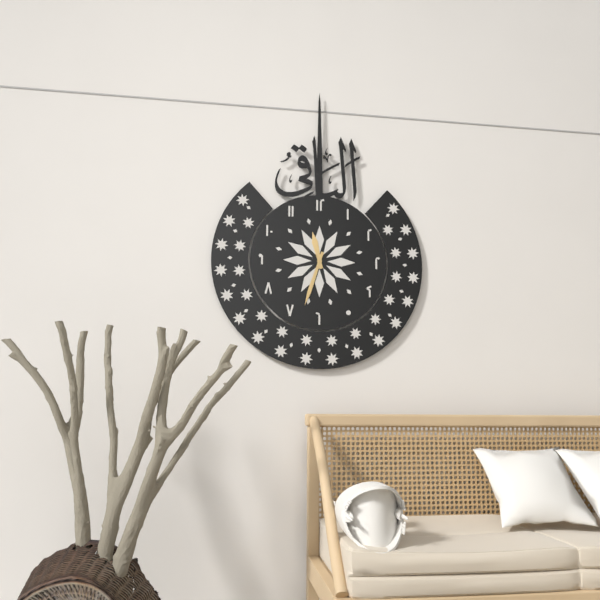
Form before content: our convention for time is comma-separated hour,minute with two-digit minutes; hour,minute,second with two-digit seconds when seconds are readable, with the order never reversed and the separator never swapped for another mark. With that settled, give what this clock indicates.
11,33
